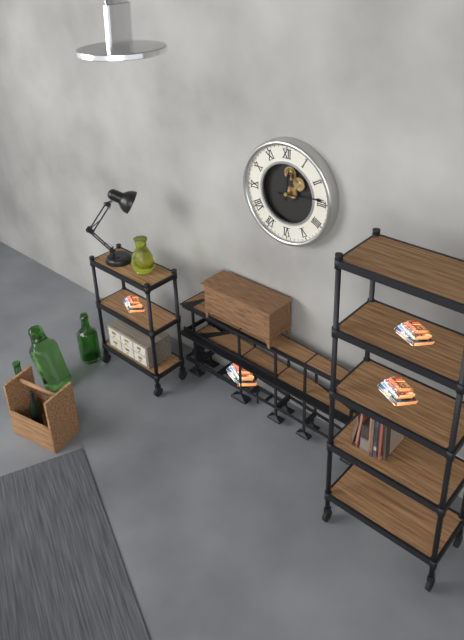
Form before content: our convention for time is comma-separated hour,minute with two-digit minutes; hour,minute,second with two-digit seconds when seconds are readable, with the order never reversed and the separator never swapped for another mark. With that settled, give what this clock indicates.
12,14
